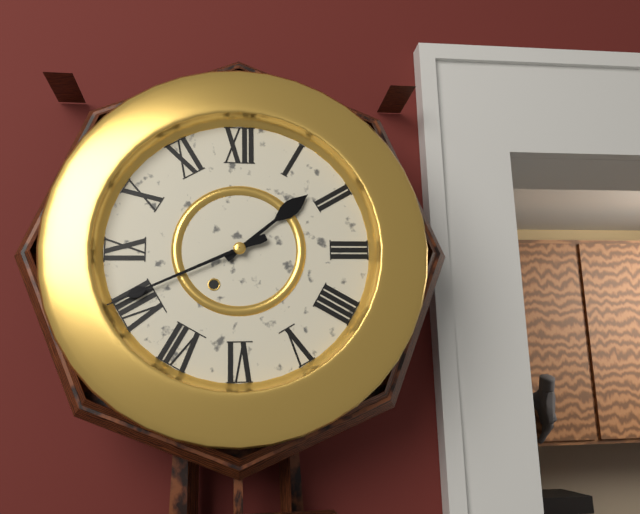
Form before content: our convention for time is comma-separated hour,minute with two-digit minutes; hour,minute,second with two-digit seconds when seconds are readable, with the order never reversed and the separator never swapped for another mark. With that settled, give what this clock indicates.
1,41
